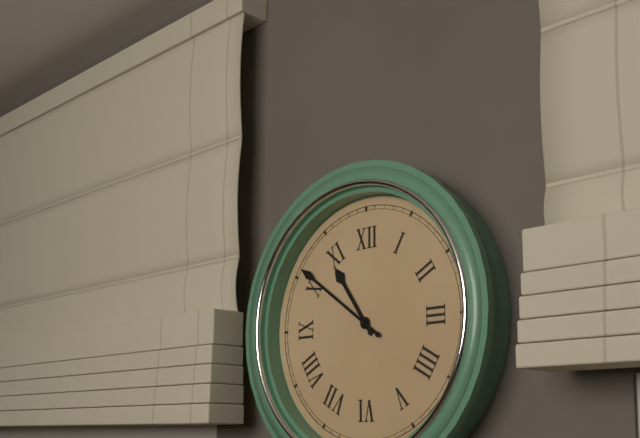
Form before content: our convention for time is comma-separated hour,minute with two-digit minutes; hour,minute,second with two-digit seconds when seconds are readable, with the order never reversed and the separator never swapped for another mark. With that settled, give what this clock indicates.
10,51
